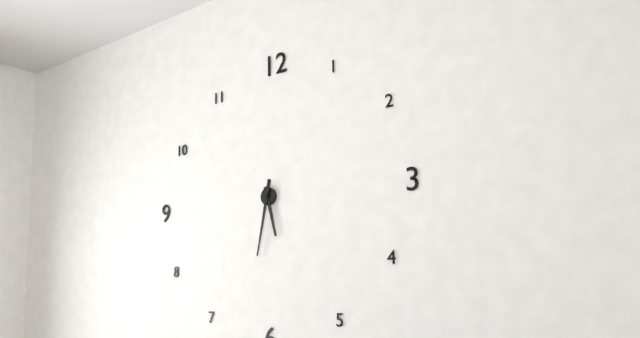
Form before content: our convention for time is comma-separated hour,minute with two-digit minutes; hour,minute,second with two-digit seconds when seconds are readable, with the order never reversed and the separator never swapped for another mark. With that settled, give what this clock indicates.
5,32
